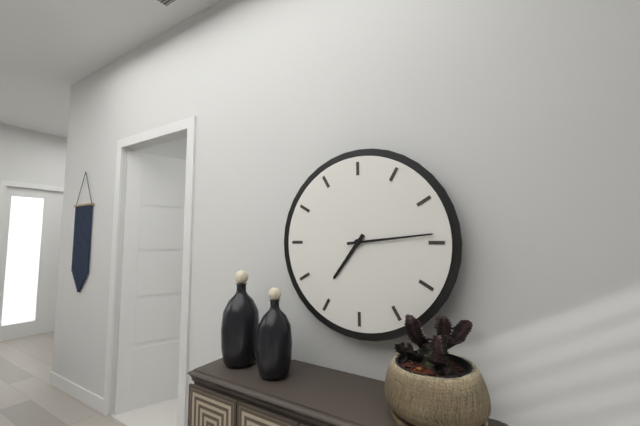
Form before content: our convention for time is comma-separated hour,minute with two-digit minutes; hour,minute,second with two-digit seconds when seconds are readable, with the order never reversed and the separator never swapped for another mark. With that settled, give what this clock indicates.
7,14
